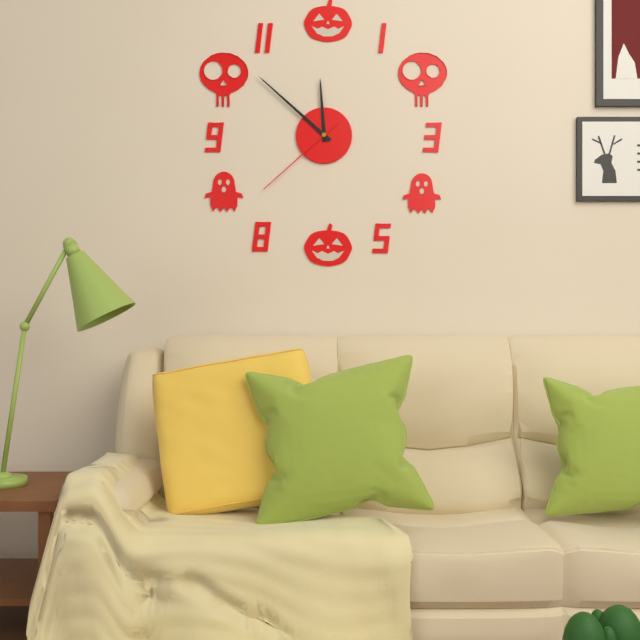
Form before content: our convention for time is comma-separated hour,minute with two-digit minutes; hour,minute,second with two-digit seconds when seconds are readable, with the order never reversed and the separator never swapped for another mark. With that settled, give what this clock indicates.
11,52,38
